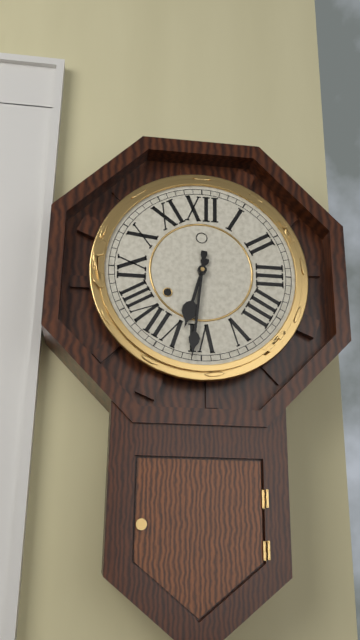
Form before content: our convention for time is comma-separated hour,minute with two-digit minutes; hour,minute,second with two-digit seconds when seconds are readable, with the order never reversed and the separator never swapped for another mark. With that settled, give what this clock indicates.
6,31
